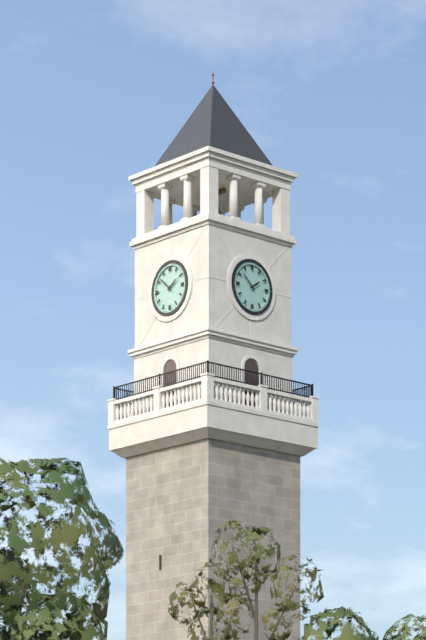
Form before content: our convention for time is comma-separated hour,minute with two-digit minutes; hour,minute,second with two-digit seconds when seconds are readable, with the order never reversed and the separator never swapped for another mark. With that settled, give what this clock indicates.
1,52
